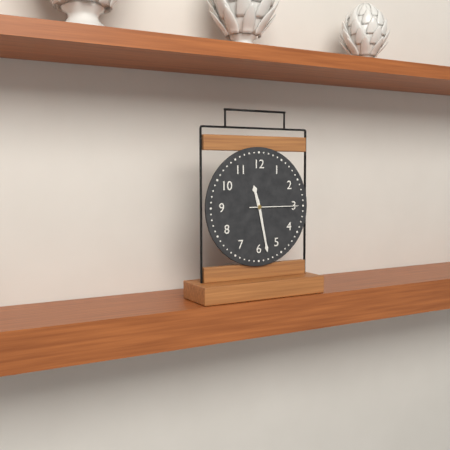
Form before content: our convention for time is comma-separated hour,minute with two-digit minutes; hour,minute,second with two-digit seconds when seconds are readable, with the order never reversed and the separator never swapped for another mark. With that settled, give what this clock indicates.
11,28,15
